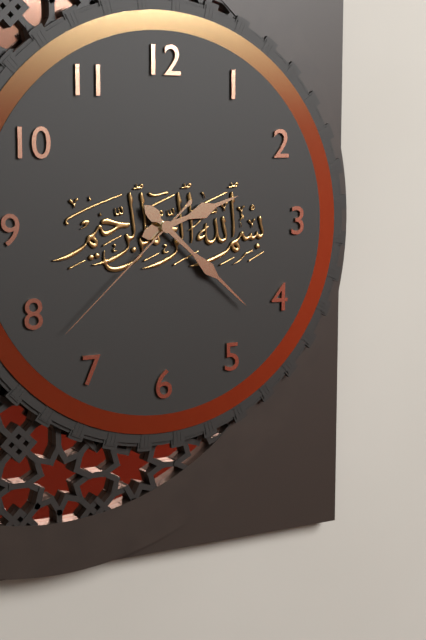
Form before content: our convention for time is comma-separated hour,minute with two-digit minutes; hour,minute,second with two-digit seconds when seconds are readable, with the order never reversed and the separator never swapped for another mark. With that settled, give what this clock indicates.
2,22,38
